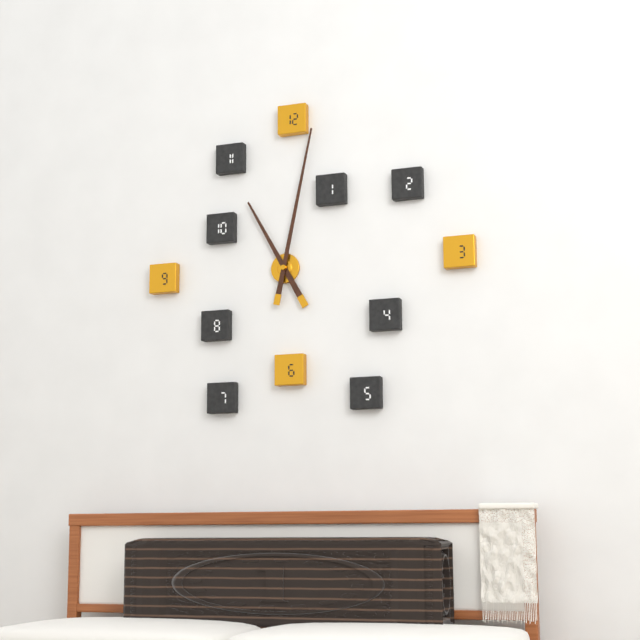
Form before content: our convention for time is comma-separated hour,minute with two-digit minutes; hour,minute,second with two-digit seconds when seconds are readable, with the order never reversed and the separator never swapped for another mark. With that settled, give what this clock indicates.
11,02
